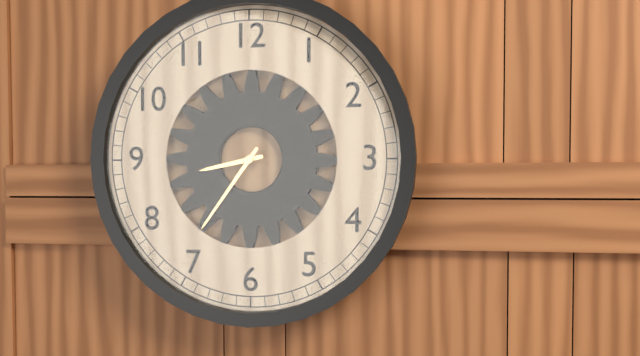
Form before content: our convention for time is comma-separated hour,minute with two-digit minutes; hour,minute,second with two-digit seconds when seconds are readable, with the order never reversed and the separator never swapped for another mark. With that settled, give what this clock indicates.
8,36
